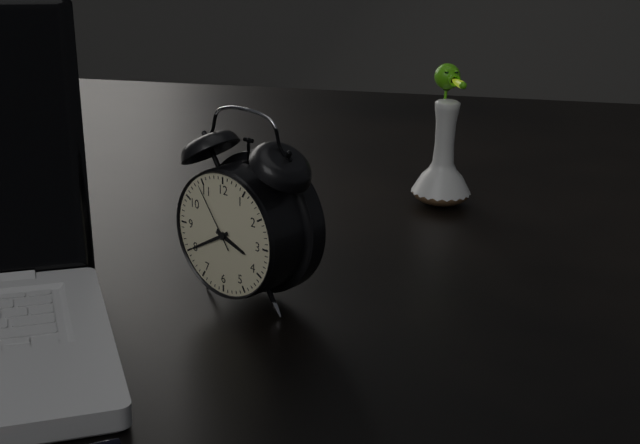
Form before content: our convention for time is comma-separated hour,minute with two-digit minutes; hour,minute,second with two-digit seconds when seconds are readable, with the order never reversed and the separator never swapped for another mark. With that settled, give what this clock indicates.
3,40,54
